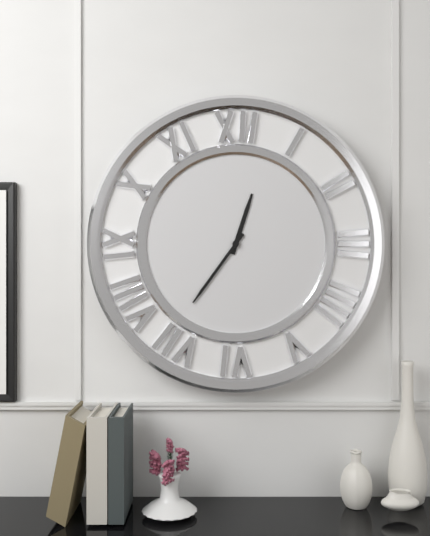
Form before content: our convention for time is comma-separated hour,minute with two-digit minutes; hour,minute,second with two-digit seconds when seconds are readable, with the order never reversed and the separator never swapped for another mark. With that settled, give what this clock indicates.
12,36
